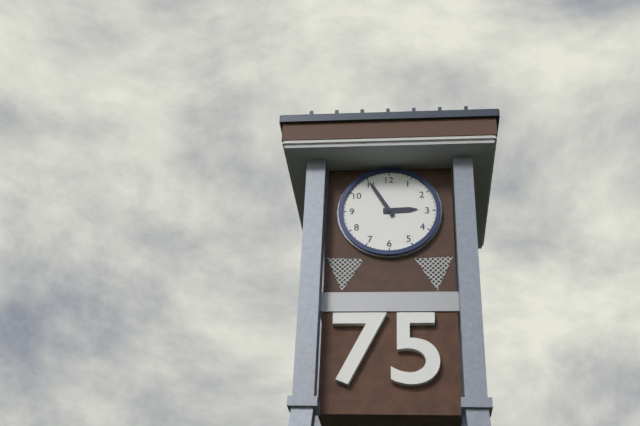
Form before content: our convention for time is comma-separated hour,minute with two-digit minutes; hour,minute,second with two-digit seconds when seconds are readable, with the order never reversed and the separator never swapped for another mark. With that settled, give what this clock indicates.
2,55
